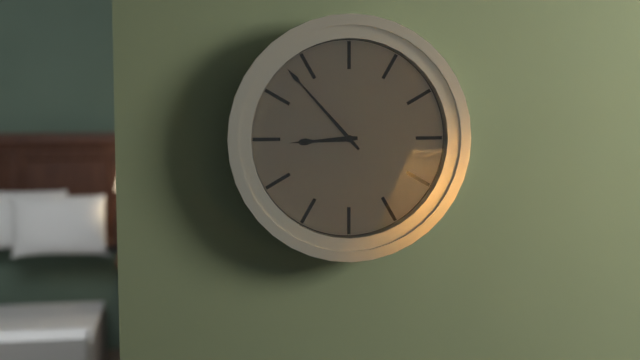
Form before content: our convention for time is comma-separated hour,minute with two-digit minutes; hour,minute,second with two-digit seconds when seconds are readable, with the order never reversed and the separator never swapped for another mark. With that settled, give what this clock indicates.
8,53
